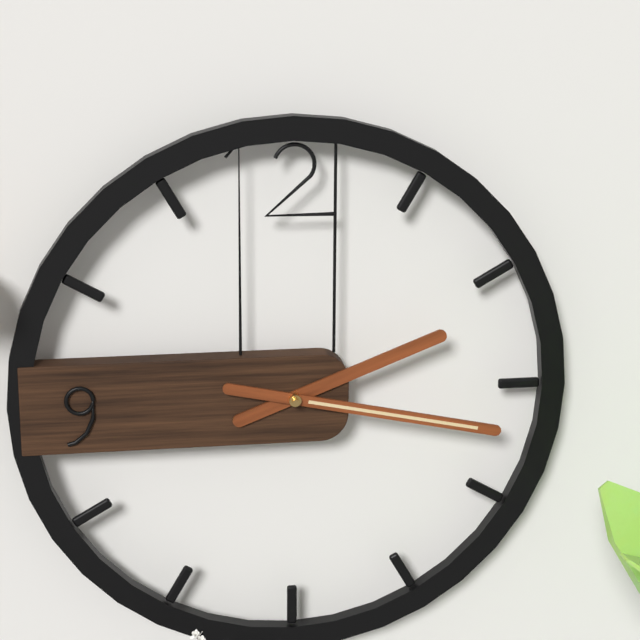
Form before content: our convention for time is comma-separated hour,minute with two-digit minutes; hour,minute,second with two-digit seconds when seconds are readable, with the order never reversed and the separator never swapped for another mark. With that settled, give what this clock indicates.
2,17
